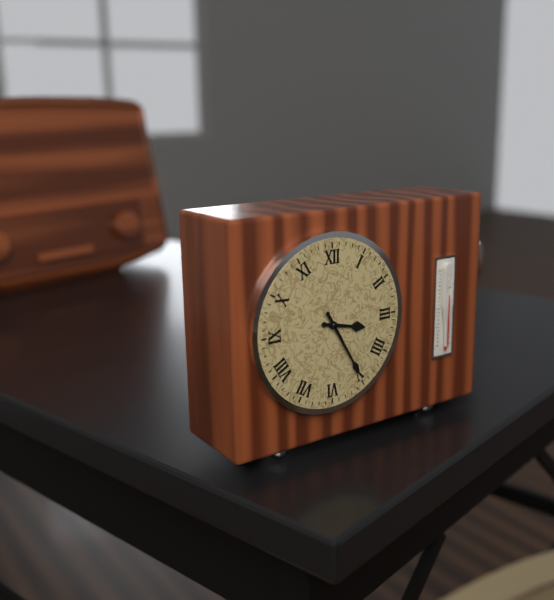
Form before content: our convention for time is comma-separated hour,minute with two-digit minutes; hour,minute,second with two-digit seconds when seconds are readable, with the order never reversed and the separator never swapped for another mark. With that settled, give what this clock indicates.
3,25
